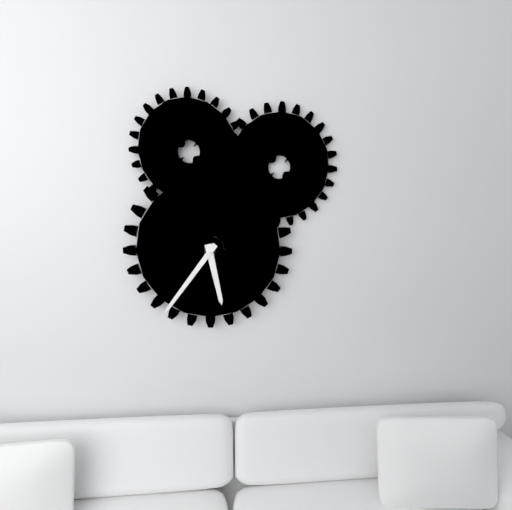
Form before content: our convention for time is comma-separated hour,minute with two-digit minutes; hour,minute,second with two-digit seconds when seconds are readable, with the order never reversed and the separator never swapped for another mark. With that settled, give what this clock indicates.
5,36
